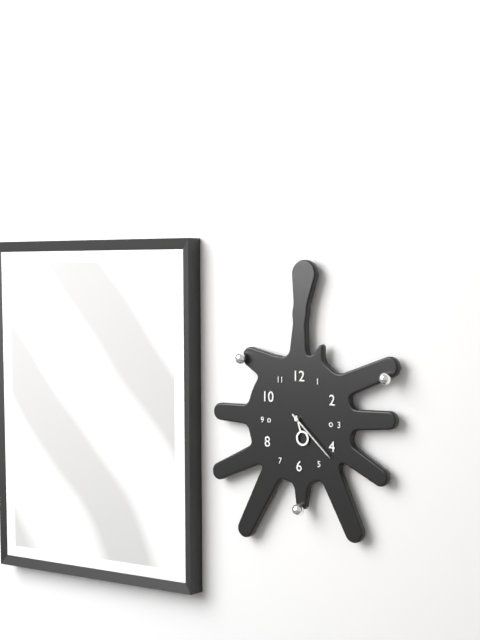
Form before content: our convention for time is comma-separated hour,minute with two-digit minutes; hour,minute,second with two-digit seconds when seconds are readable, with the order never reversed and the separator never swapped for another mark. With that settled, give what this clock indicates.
5,22
